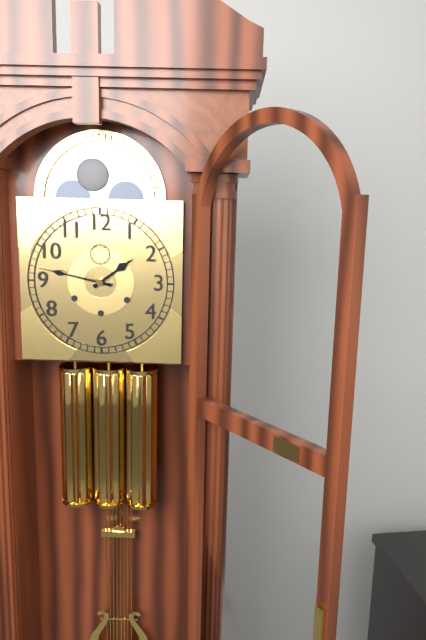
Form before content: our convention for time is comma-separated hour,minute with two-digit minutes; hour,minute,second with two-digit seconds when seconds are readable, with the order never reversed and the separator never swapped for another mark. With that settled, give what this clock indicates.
1,47
